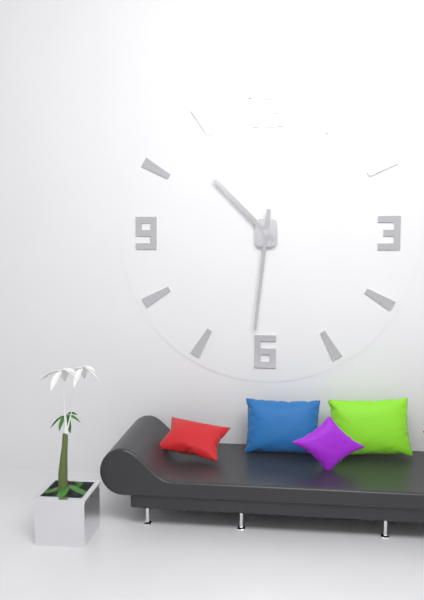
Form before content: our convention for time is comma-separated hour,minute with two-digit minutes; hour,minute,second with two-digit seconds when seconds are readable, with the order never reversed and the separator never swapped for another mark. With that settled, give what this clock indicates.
10,31
